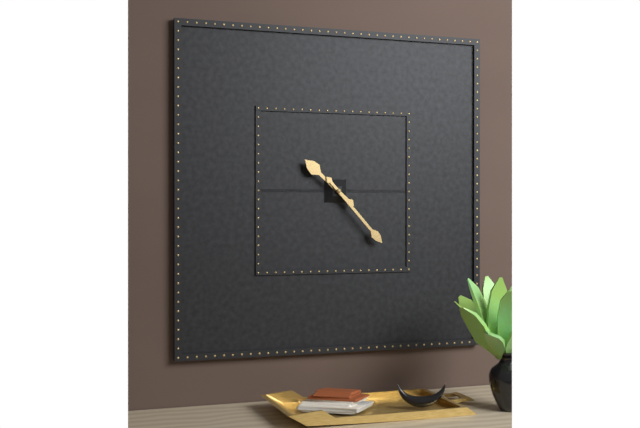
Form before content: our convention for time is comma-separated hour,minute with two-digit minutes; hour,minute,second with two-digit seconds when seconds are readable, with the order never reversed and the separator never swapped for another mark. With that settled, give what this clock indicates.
10,23
